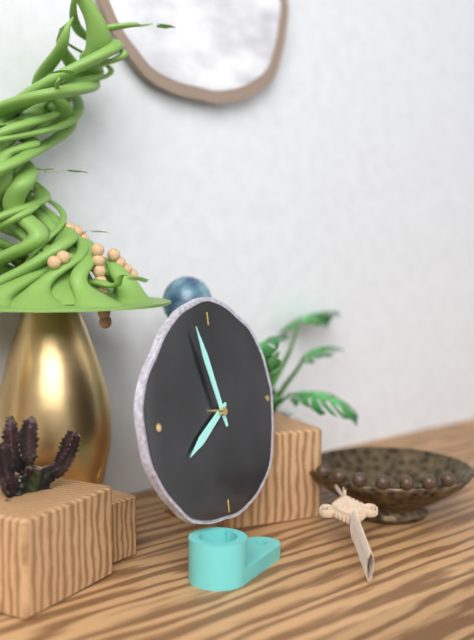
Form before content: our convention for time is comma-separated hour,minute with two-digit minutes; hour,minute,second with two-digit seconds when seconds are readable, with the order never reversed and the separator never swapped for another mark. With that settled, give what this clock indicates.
7,57
